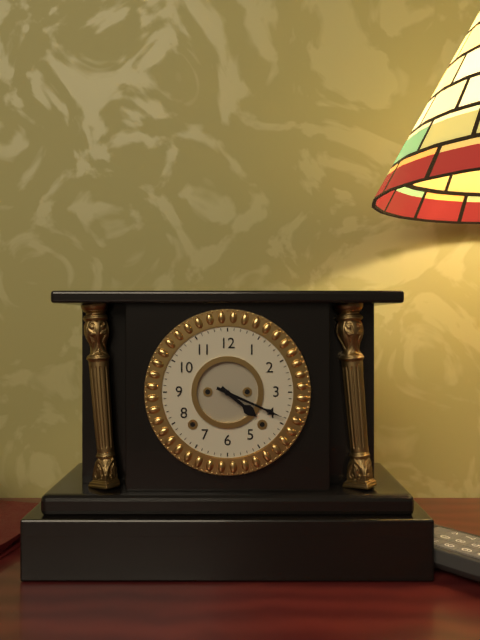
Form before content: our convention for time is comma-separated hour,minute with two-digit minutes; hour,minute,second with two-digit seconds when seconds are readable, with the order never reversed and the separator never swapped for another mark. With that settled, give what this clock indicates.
4,19
